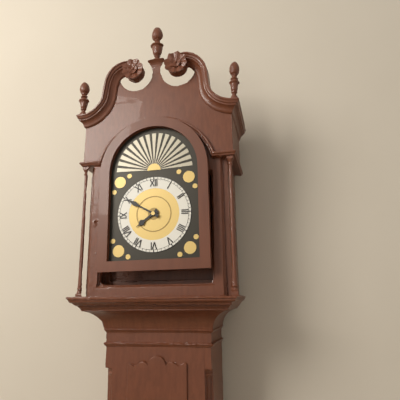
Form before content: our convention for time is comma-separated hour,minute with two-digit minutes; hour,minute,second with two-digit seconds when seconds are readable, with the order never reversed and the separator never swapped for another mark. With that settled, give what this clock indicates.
7,50
